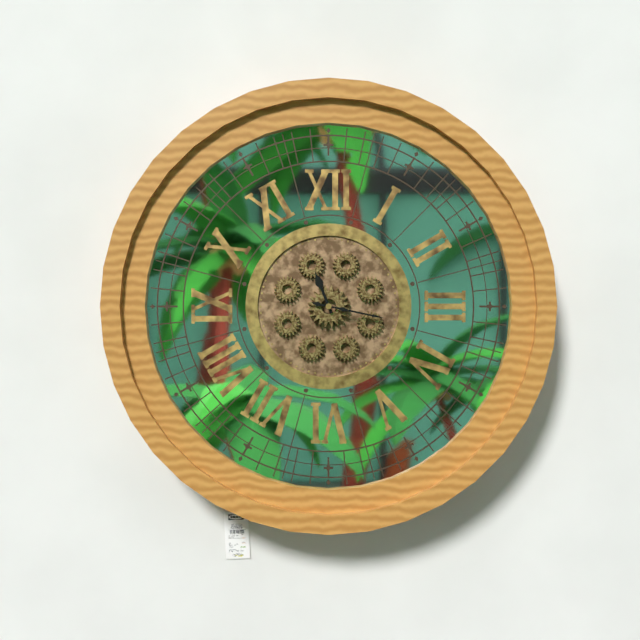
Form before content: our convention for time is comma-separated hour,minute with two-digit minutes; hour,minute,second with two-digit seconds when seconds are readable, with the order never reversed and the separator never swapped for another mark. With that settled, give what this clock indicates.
11,17
